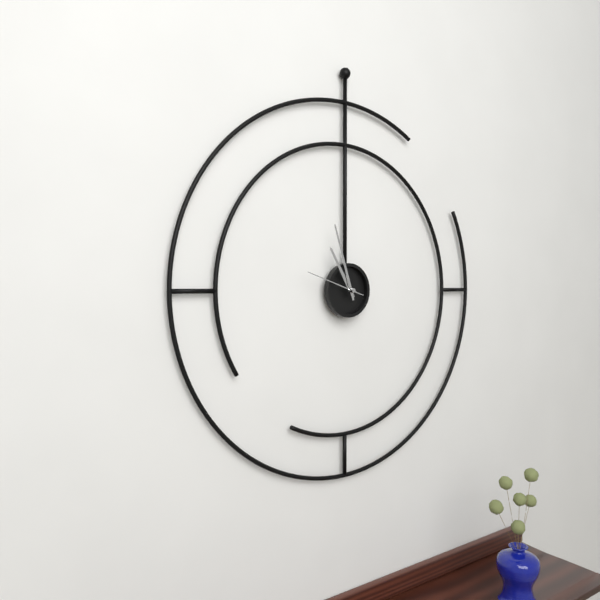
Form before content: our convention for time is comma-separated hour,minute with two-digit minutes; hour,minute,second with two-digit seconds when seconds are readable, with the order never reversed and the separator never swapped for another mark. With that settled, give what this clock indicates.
10,57,48
